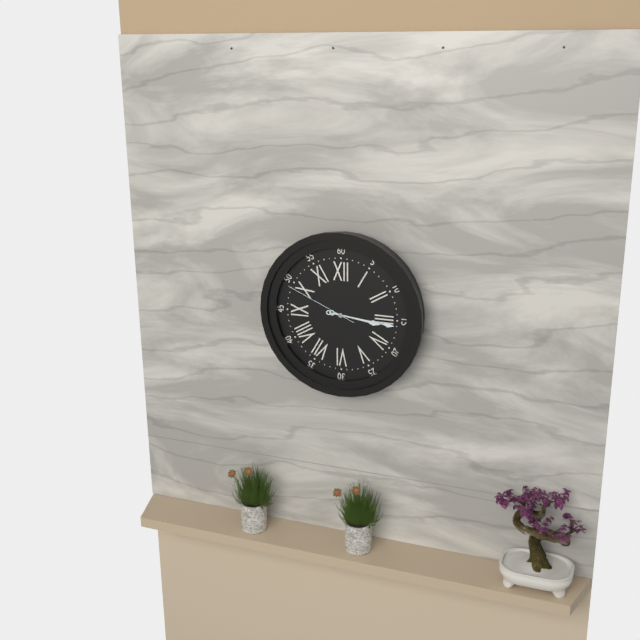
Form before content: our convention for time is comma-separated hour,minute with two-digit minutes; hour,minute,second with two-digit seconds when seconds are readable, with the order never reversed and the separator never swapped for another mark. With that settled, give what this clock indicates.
3,16,49
